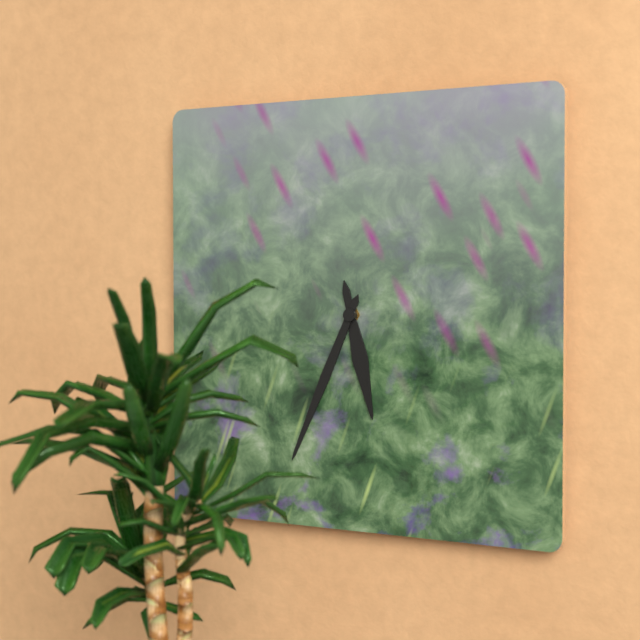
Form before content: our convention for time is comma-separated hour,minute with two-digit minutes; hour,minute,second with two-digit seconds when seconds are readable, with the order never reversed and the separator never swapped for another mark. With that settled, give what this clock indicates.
5,34
